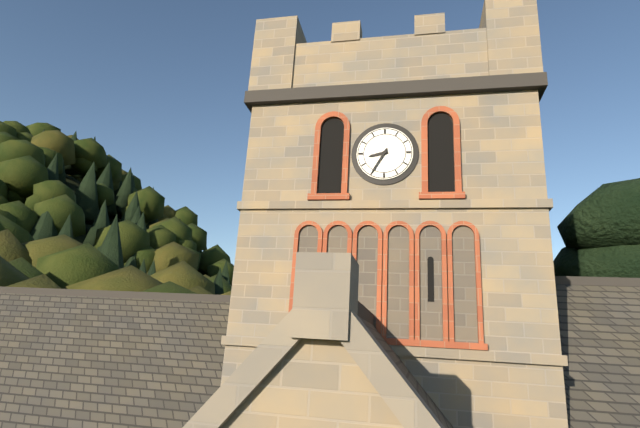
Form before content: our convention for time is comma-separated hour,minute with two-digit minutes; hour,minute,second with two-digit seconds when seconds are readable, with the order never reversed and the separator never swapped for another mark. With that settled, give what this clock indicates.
8,35
